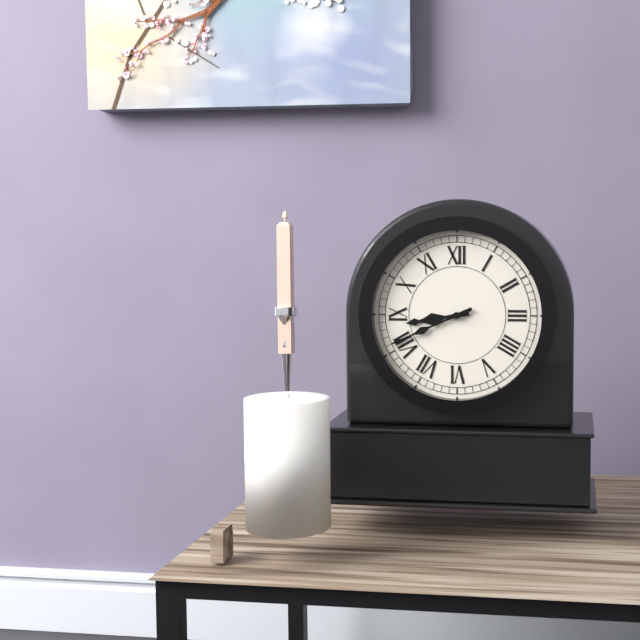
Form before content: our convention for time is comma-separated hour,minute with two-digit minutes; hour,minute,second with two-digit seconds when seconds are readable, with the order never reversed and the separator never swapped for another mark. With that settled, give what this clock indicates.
8,41
